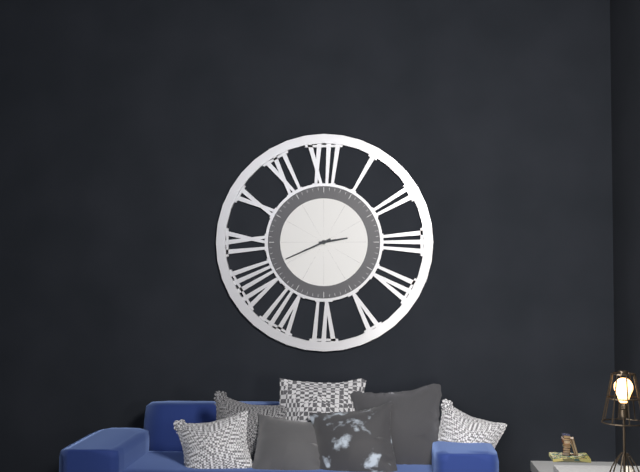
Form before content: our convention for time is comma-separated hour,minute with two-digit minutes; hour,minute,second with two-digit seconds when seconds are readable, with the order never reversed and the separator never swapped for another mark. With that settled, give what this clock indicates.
2,41
